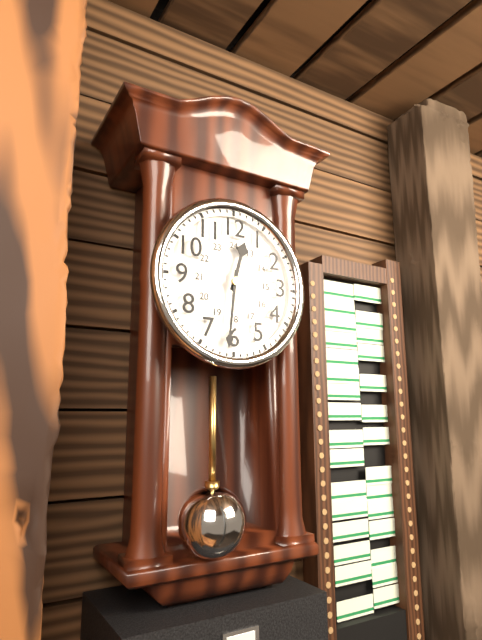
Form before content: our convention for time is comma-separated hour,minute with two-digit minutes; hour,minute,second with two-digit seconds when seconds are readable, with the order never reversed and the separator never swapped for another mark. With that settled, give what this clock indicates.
12,31
